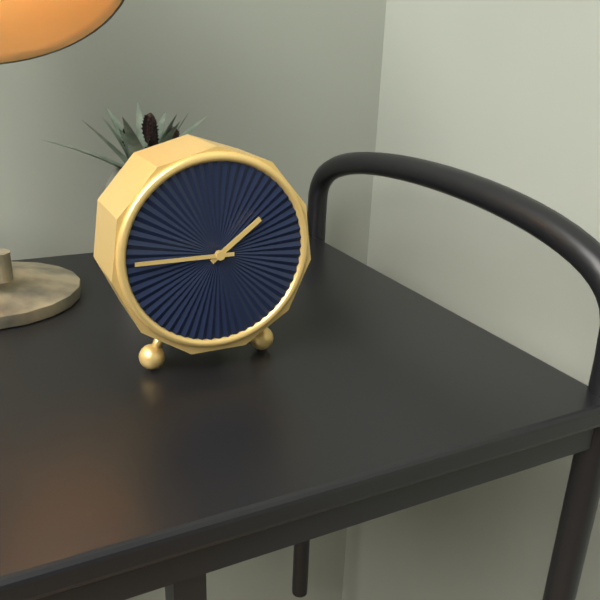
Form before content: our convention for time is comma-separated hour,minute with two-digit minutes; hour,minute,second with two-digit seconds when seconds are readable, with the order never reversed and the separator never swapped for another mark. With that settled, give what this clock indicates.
1,45
